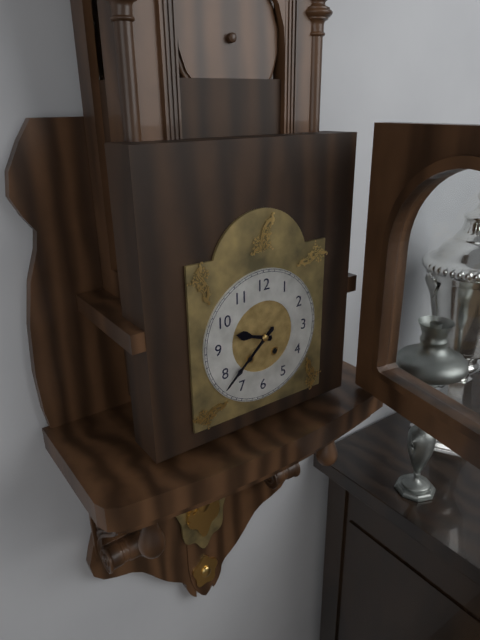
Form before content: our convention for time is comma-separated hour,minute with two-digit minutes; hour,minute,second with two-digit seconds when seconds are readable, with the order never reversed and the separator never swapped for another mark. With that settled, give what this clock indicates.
9,38
